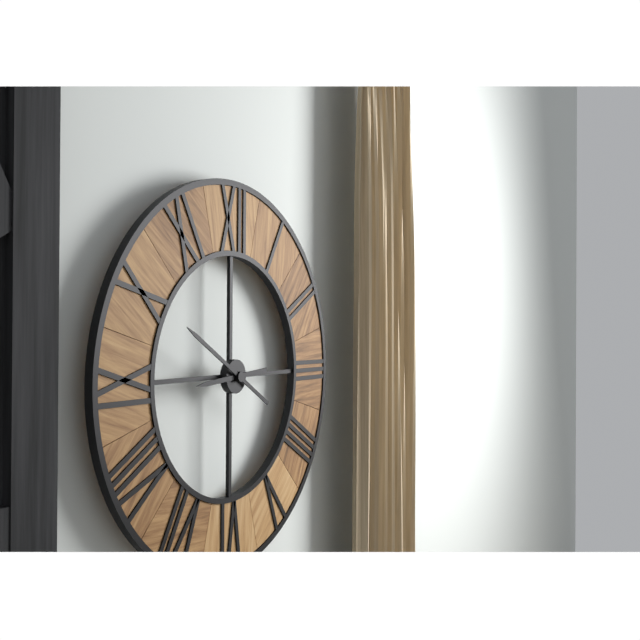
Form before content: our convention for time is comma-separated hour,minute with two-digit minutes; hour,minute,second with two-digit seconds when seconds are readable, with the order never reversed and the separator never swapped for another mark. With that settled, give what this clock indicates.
8,50
